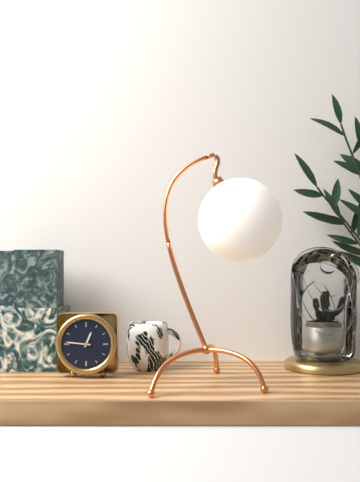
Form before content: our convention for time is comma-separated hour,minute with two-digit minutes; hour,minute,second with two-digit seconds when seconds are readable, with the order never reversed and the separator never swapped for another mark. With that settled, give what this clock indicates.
12,46
